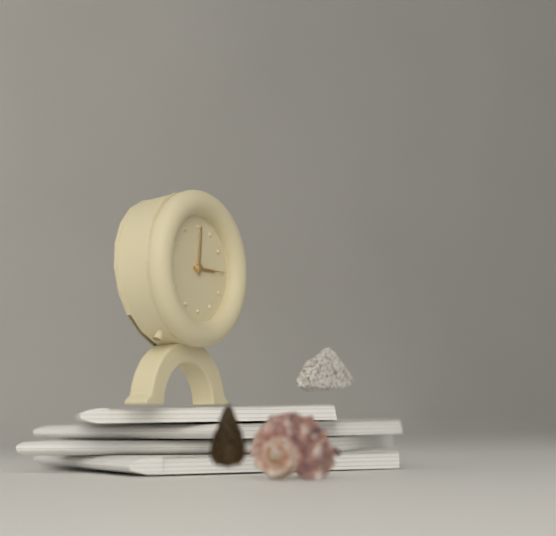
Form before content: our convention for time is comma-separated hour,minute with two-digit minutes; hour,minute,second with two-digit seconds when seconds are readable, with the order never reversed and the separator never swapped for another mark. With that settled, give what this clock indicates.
3,01
